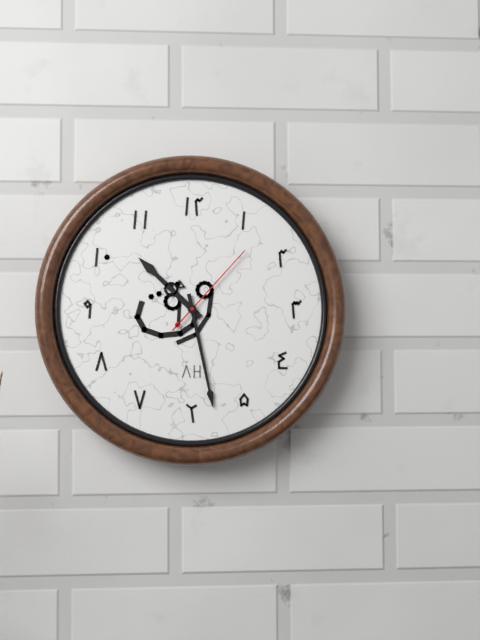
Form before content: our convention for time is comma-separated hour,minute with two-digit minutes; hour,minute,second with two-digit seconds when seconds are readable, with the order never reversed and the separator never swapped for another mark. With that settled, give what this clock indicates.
10,28,07
